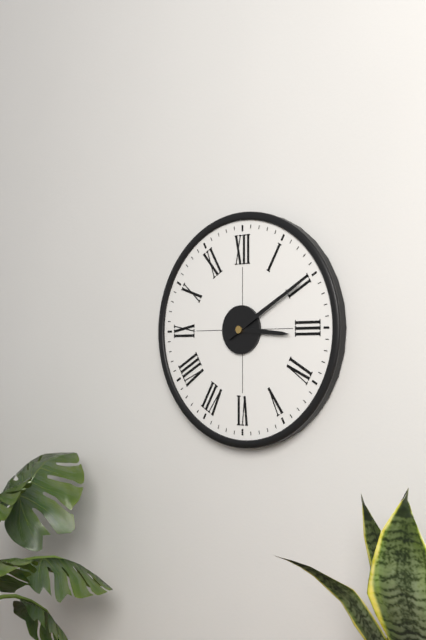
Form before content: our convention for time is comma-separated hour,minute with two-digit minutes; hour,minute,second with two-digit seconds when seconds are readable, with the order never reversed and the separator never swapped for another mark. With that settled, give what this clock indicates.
3,10
